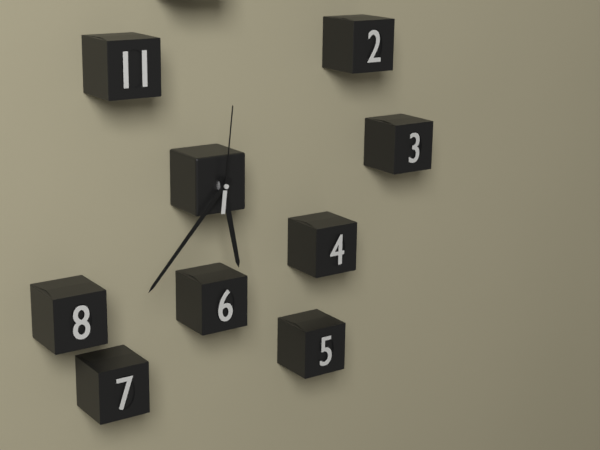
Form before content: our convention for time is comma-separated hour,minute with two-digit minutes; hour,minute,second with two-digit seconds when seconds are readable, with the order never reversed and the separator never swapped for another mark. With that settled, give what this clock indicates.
5,37,01
